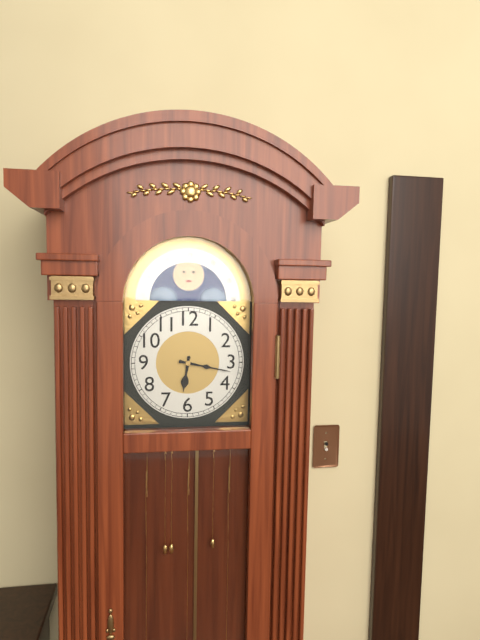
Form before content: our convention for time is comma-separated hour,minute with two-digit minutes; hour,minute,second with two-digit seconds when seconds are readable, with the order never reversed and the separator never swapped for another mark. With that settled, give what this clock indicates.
6,17
